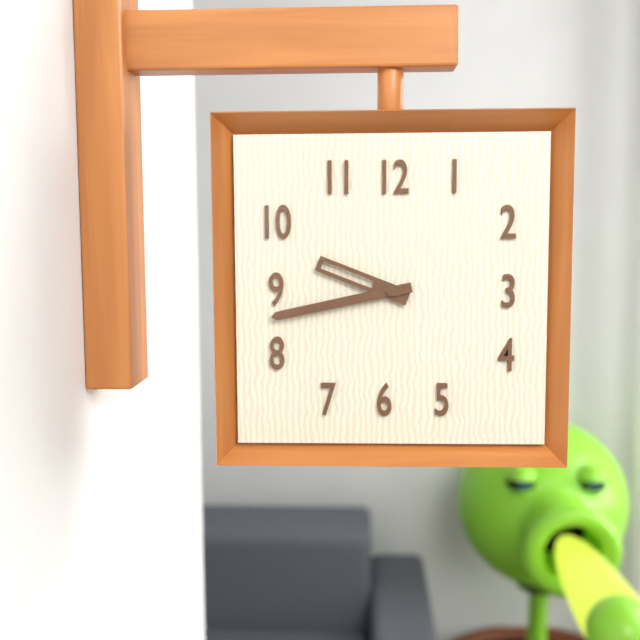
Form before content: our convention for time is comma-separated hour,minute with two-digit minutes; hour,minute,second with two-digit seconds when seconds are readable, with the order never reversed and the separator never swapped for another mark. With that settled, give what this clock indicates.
9,43
